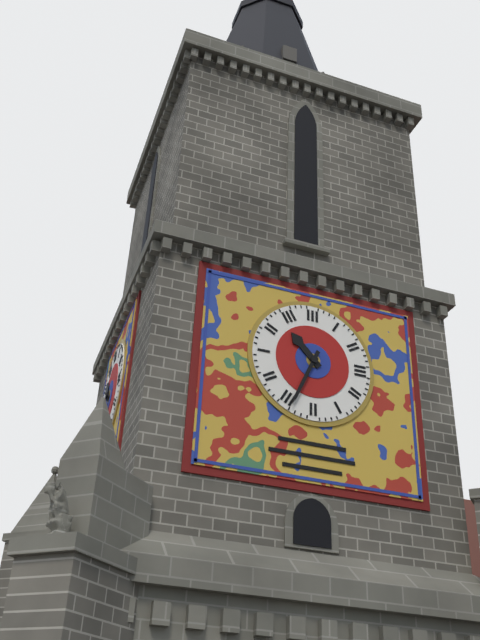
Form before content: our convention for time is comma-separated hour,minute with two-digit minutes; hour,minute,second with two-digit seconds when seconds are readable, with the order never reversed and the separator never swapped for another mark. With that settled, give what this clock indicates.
10,34
